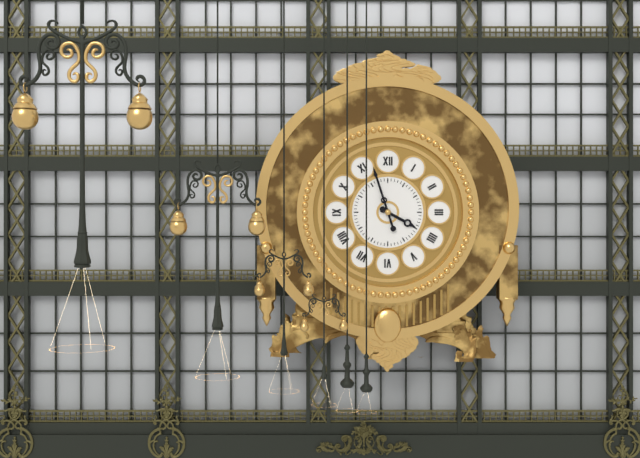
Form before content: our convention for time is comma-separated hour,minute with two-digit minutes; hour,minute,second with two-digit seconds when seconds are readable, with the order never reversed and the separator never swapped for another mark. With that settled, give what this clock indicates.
3,57
